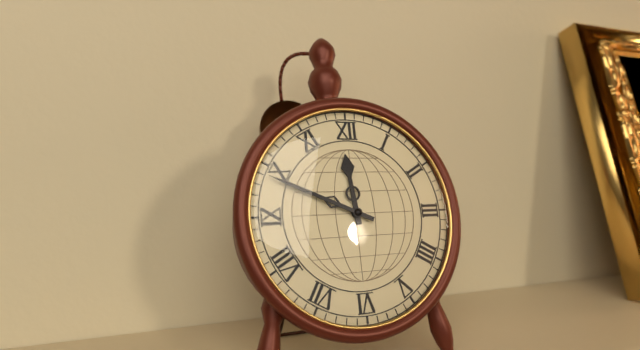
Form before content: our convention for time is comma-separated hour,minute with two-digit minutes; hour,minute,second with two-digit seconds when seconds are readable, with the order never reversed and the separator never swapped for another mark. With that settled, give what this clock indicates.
11,49
